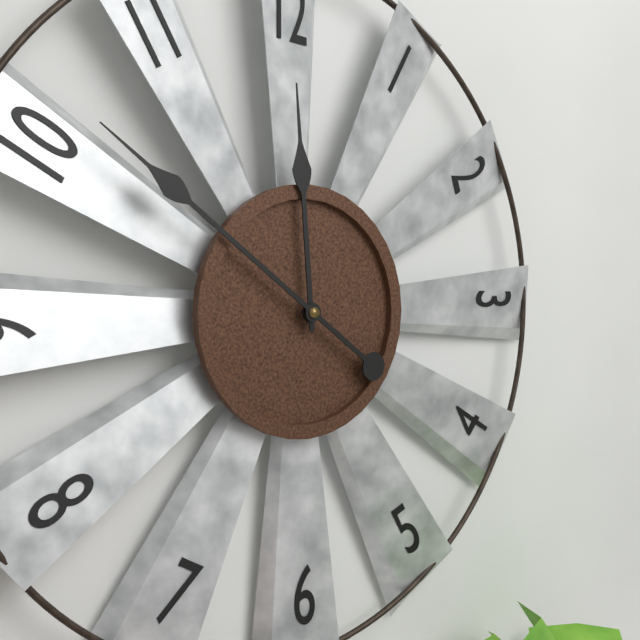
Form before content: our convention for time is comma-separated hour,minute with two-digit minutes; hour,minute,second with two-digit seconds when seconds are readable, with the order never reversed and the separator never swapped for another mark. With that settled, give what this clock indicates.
11,51
